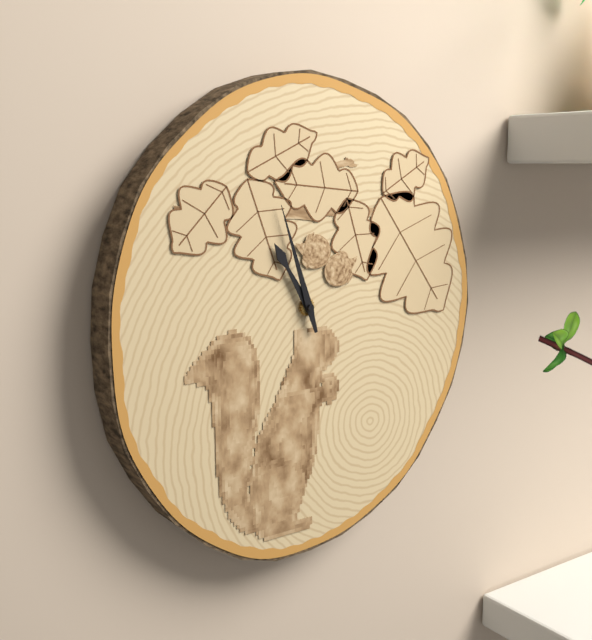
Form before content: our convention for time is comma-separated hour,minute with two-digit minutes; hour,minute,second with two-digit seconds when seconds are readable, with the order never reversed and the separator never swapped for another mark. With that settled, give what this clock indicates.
10,57
